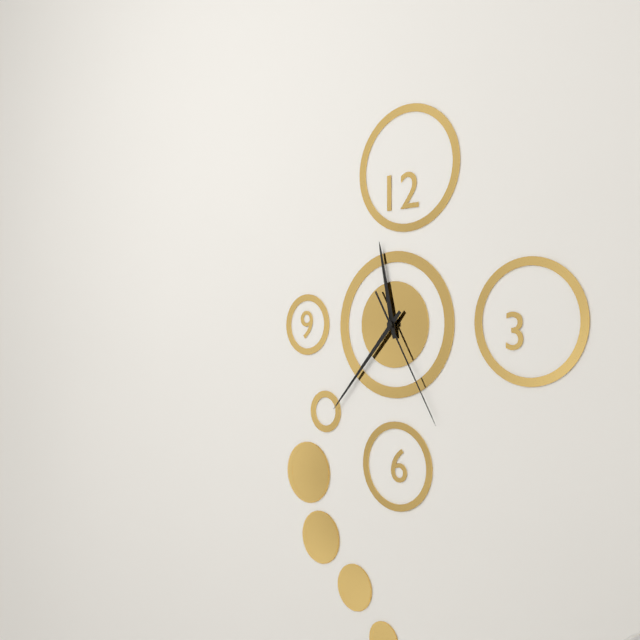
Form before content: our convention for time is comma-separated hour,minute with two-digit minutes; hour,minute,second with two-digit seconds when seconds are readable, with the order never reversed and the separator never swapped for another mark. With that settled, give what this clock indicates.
11,37,25
